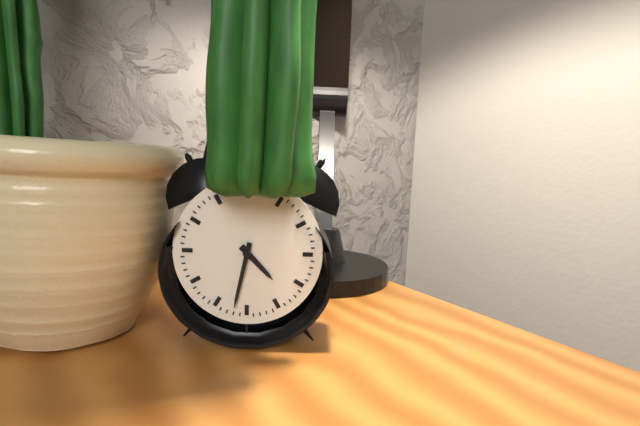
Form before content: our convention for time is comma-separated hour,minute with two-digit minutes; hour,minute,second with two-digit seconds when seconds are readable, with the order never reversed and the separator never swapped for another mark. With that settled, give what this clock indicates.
4,32
